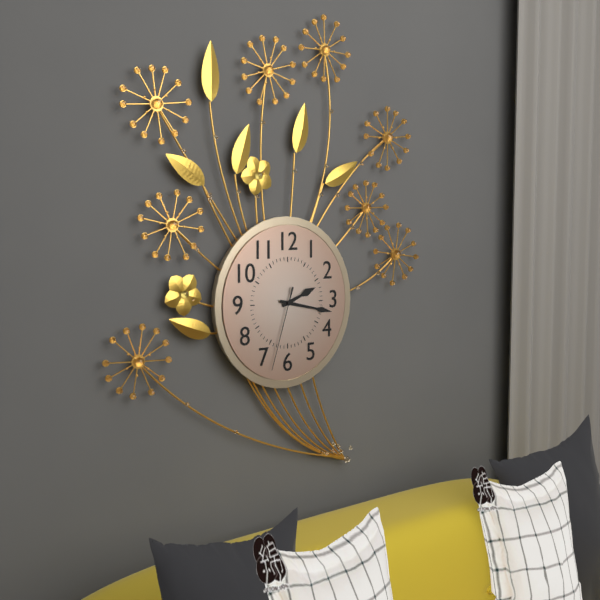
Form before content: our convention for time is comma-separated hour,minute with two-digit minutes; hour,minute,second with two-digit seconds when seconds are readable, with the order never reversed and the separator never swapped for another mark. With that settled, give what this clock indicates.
2,17,33
